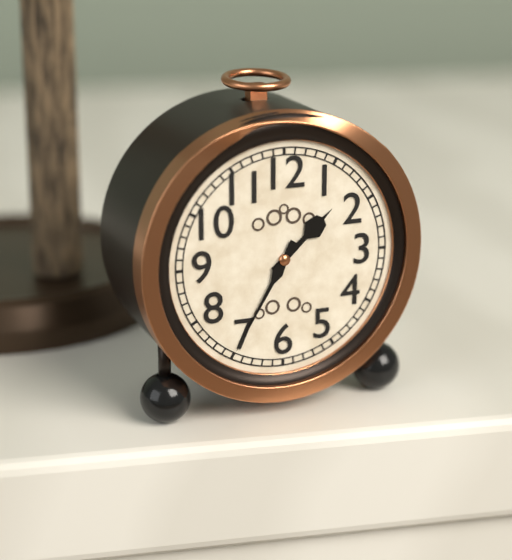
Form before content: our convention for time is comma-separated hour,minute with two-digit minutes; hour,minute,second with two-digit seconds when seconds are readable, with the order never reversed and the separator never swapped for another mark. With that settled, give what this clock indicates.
1,35
